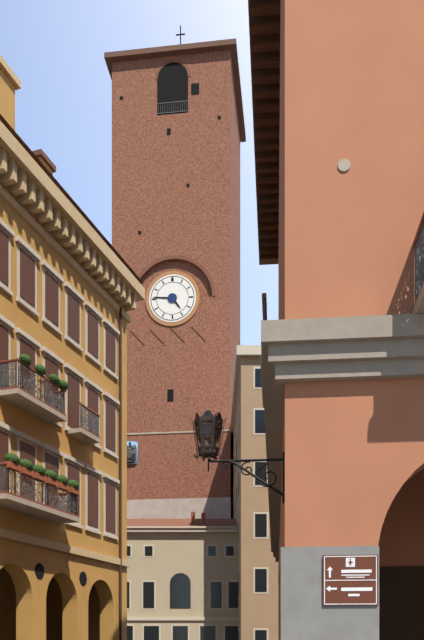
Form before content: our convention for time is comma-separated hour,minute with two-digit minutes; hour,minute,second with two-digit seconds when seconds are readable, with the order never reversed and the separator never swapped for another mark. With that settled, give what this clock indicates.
4,46
